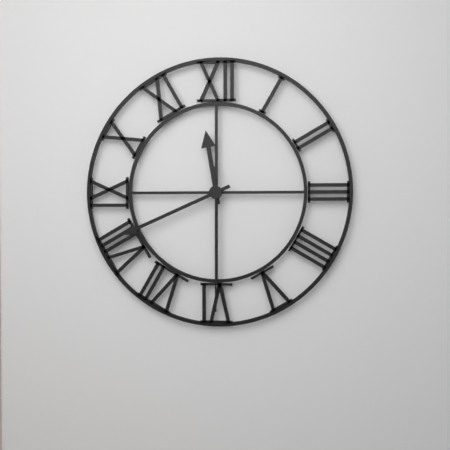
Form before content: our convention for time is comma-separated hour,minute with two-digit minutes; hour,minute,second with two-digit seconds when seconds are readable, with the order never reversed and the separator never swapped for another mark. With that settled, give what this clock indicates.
11,41,30
